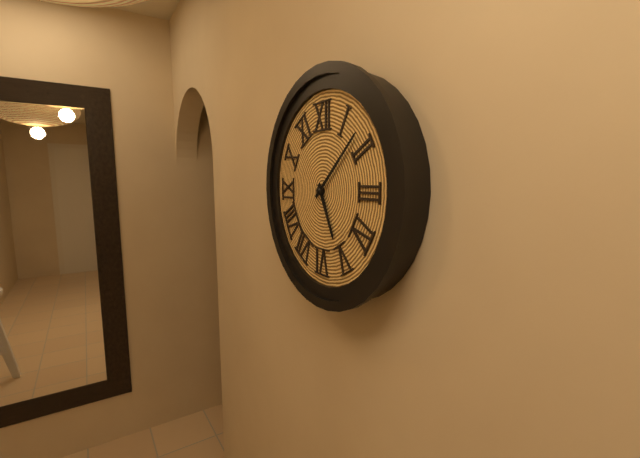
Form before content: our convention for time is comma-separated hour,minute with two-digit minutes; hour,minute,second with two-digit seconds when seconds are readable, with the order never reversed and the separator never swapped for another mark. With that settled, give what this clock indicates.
5,08
